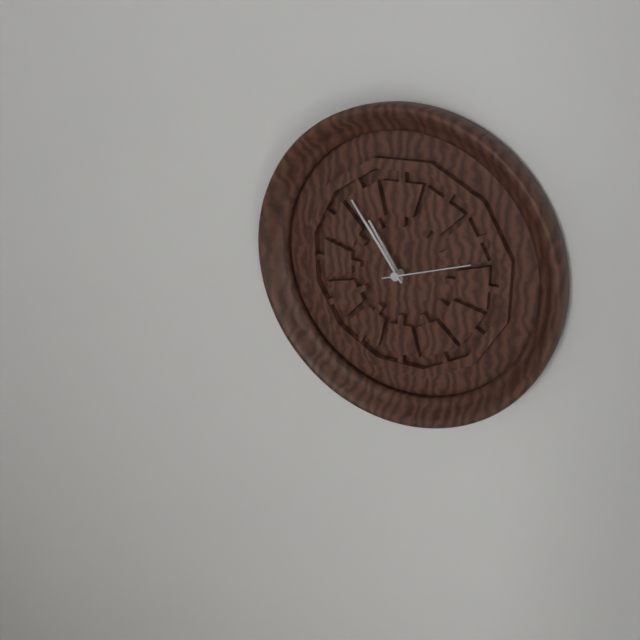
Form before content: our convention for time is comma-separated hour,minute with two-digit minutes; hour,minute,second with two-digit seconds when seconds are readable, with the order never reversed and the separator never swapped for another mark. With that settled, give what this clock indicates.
10,54,12
